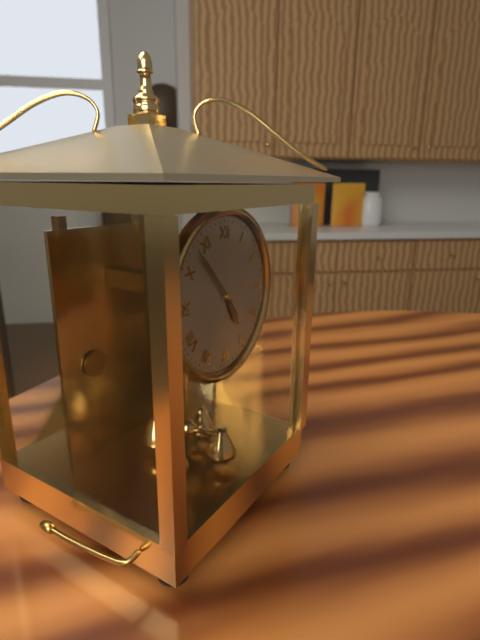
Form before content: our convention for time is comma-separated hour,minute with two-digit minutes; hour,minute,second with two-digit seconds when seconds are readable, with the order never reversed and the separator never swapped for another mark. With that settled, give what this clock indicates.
4,53
